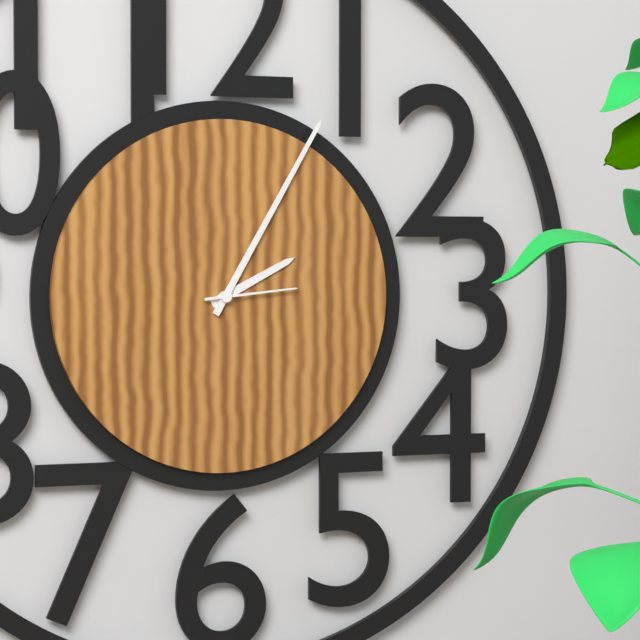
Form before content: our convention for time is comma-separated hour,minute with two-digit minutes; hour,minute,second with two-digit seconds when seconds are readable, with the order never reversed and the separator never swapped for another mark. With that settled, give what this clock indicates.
2,05,14
